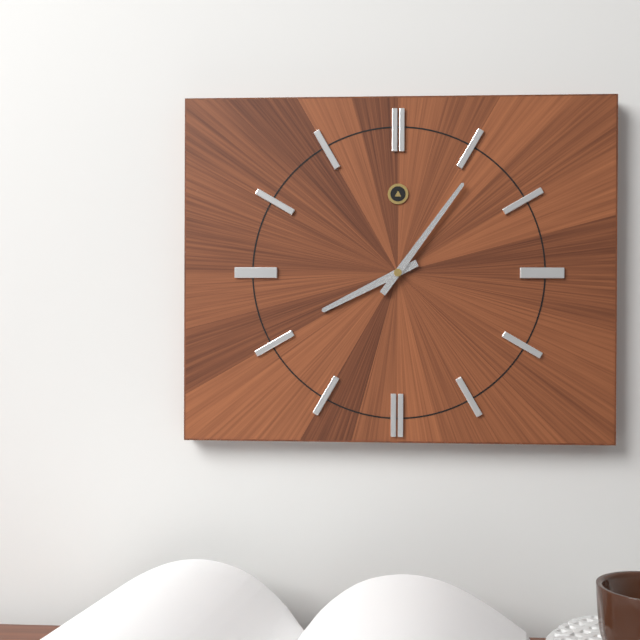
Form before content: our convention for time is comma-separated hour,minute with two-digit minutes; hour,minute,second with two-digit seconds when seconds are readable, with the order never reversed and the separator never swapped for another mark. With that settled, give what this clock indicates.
8,06
